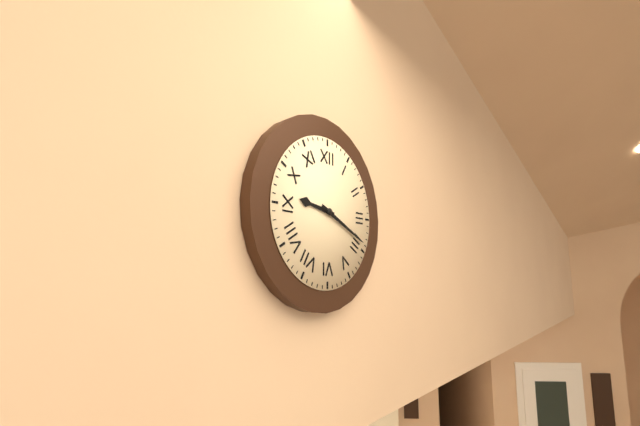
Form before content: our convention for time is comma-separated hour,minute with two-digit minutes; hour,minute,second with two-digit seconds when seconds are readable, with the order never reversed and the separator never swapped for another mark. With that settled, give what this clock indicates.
9,19
